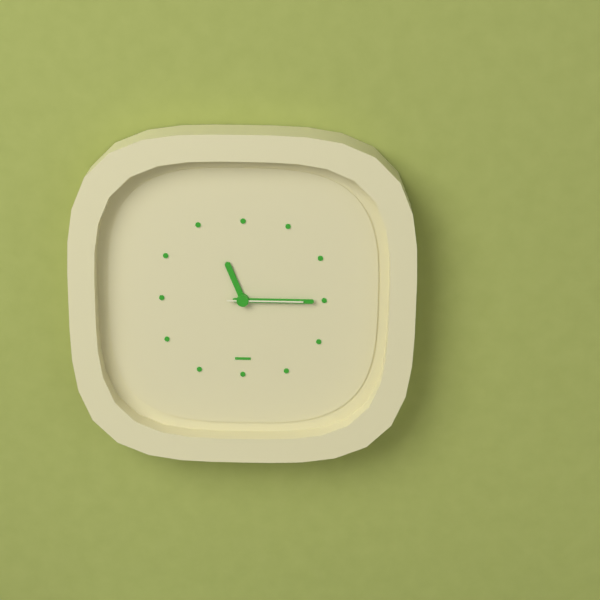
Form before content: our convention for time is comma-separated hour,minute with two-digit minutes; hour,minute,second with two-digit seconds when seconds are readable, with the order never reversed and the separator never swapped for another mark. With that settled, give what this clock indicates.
11,15,15
